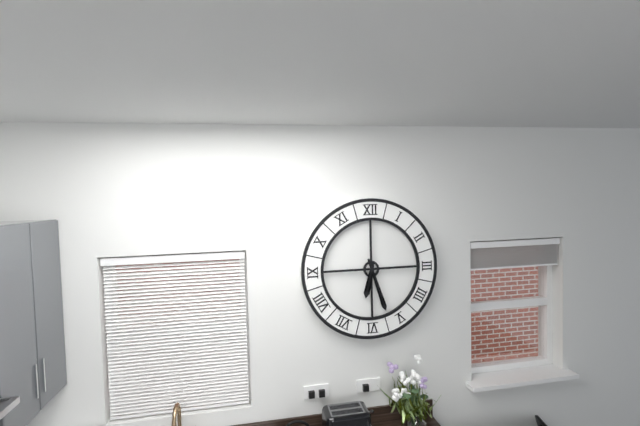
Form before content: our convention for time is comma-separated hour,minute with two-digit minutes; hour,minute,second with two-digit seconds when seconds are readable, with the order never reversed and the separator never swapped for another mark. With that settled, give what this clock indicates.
6,27
